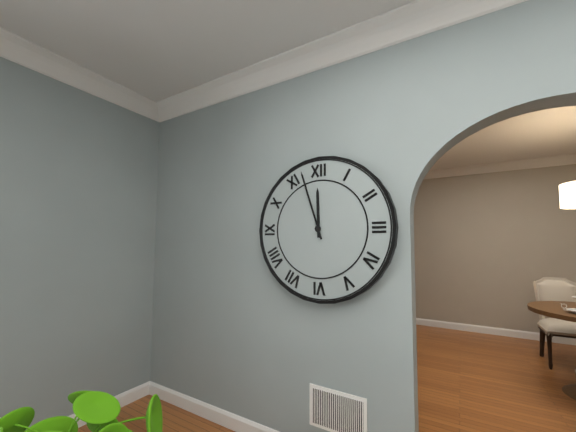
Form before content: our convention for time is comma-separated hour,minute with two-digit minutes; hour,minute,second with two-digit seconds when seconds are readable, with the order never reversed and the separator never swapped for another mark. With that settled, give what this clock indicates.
11,57
